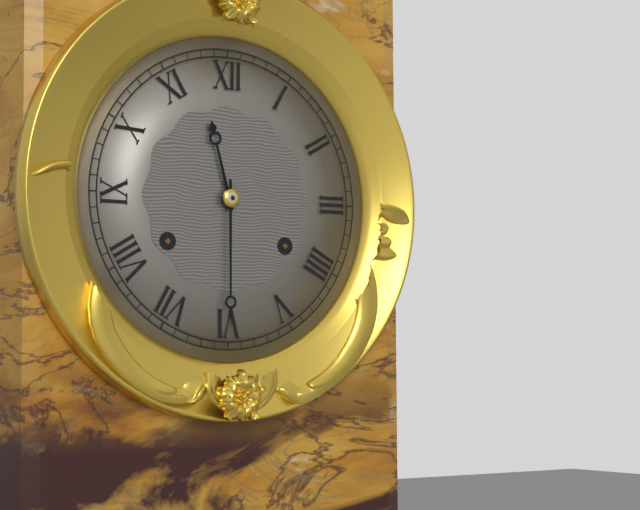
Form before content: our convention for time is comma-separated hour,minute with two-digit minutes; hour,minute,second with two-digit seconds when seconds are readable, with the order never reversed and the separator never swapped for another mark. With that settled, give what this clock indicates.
11,30
